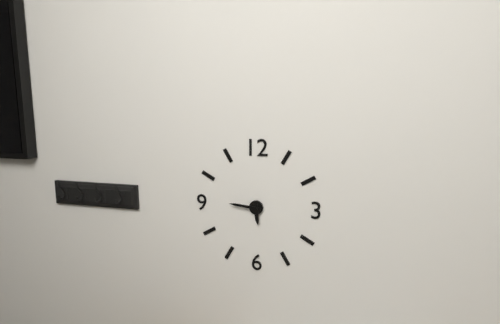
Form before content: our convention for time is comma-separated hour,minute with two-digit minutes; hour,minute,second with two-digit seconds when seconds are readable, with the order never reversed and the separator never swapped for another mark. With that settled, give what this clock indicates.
5,46
